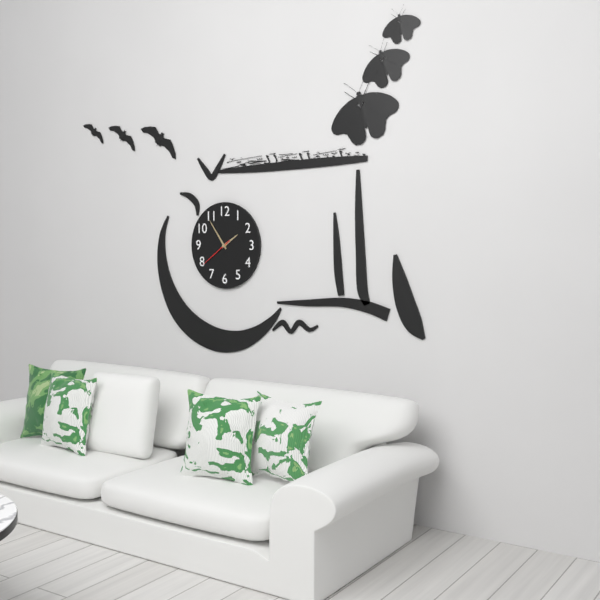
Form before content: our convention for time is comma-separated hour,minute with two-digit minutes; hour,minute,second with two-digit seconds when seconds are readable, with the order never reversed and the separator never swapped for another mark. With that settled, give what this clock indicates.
1,54
